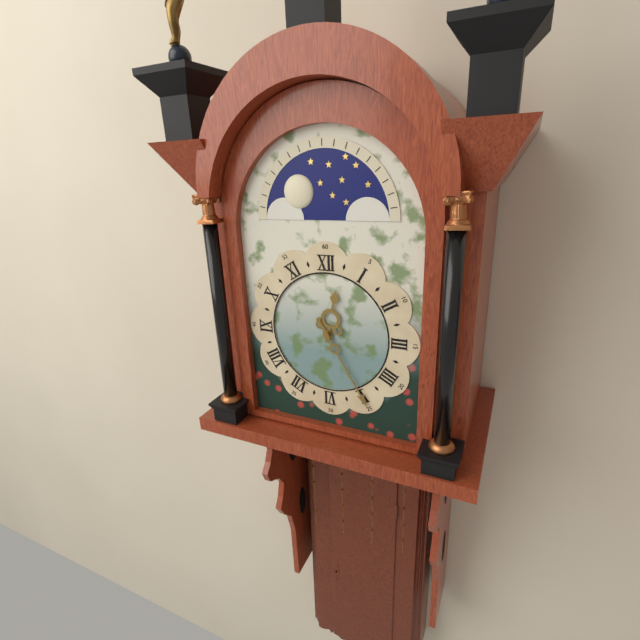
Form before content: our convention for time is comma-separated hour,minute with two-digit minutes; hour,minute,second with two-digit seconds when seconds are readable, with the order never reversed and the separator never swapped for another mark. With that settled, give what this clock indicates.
12,25
